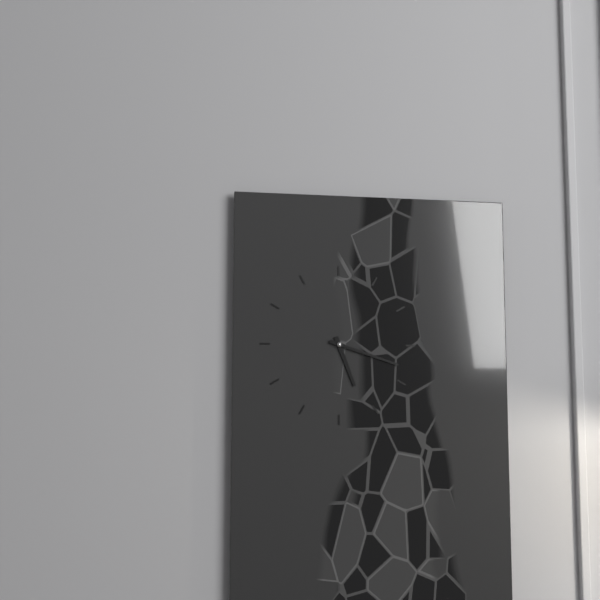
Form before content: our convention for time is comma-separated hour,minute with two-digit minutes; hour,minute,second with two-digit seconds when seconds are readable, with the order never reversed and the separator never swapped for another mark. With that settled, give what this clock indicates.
5,18
